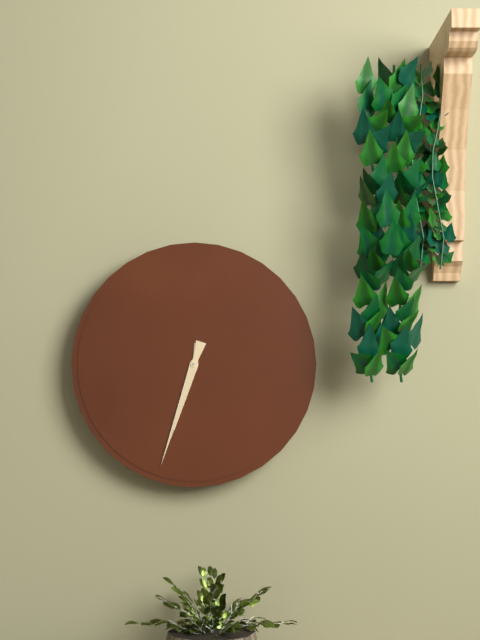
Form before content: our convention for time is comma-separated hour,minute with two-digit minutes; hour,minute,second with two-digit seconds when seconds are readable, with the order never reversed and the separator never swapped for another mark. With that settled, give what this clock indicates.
6,33
